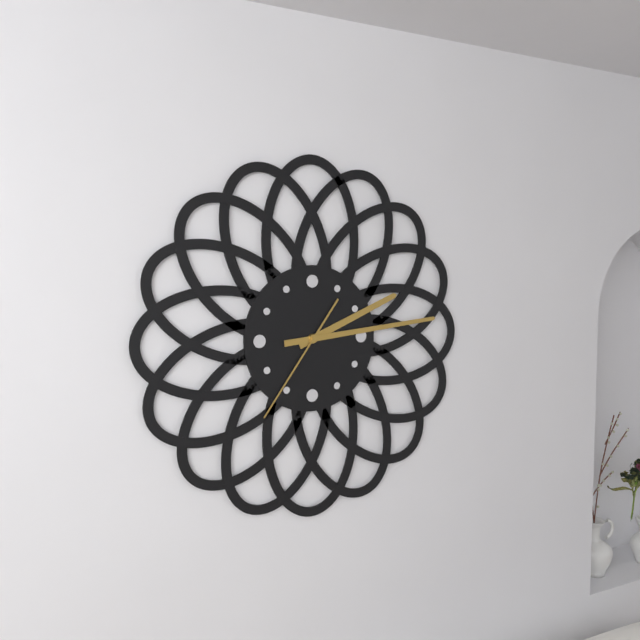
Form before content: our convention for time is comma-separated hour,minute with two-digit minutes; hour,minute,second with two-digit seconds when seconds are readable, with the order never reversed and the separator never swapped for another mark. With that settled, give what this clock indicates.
2,14,36
